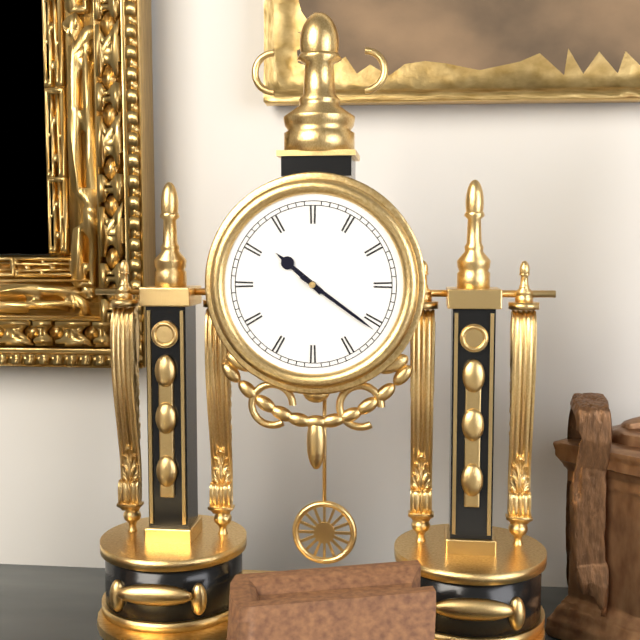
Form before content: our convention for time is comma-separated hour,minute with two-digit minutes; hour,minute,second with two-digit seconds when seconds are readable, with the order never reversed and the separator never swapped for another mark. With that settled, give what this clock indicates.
10,21
